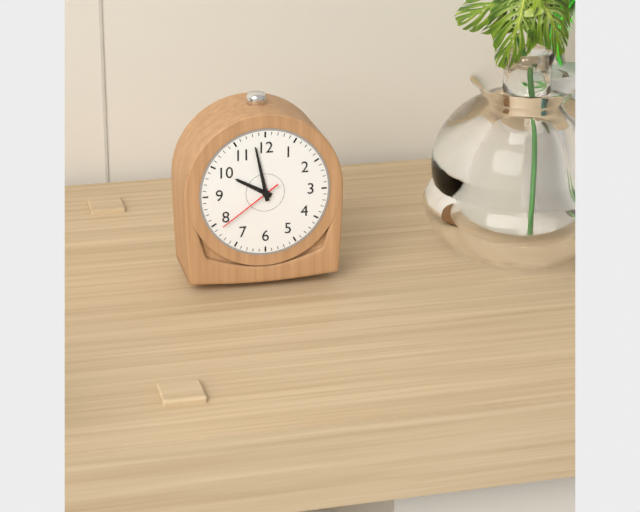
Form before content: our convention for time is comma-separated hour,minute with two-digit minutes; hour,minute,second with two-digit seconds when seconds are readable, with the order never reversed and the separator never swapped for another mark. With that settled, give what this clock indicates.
9,58,39
